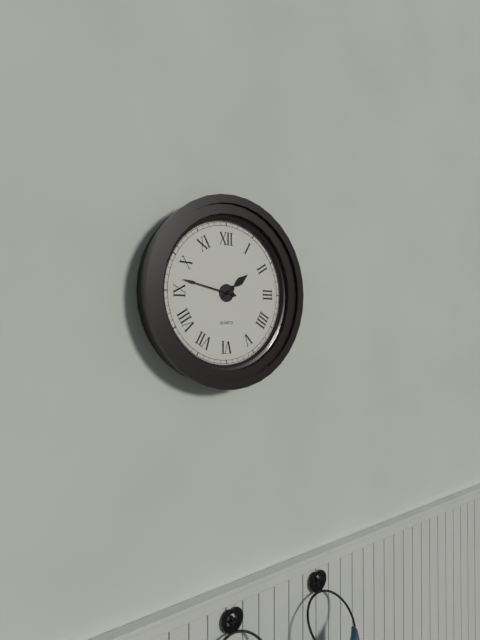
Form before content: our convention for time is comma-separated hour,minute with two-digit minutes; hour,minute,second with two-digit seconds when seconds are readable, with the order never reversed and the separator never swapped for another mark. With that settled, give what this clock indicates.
1,47
